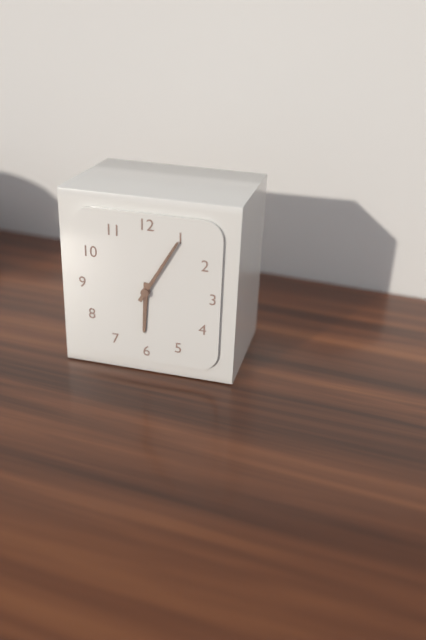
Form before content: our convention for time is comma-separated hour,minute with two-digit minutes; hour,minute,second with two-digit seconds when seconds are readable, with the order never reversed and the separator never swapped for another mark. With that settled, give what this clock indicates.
6,05
